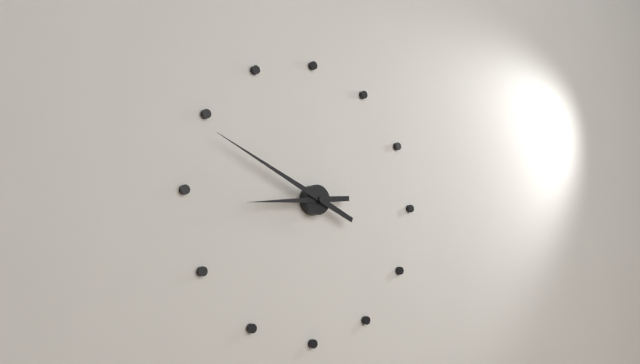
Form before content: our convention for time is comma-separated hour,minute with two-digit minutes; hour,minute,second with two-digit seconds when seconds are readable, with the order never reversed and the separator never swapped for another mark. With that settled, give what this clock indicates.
8,49
